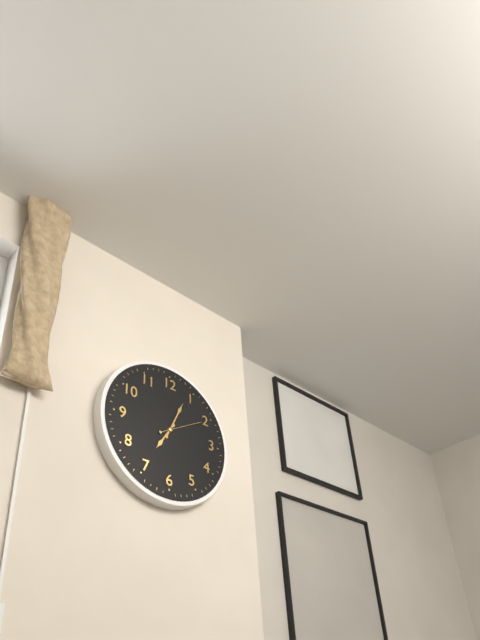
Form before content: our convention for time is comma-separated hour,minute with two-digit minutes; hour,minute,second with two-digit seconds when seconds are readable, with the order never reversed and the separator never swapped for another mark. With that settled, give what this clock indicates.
7,04
